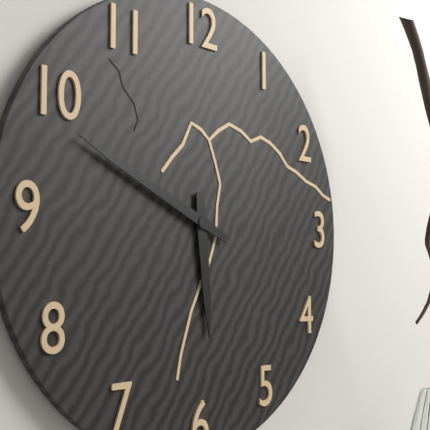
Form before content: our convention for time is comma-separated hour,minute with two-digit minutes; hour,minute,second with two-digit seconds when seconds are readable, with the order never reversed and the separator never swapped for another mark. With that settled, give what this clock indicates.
5,49
